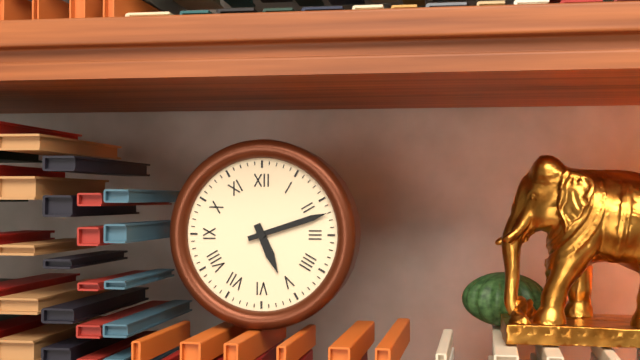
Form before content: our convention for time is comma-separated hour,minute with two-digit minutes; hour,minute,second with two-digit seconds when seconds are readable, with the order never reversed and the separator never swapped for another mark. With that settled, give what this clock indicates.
5,12
